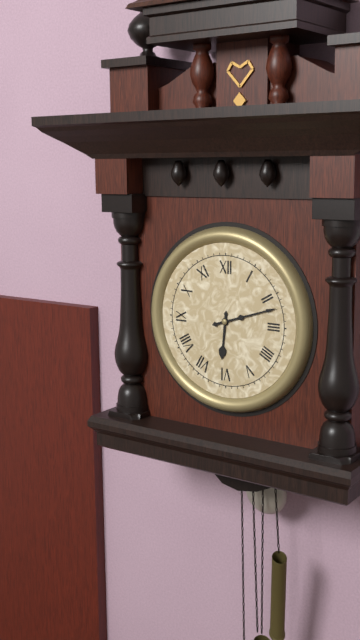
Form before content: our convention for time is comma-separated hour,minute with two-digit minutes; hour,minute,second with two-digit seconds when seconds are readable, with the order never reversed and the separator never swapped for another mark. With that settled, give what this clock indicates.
6,12
